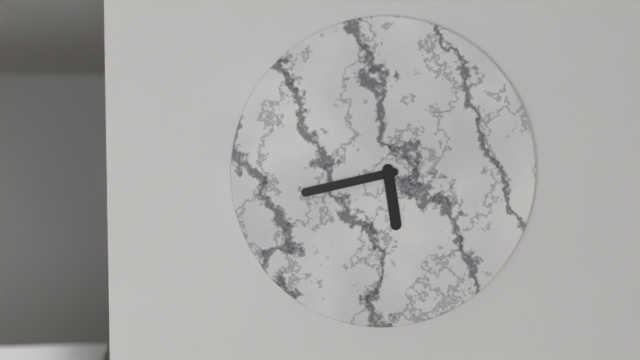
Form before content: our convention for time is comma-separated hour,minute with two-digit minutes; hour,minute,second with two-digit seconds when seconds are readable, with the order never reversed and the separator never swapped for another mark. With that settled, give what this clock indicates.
5,43
